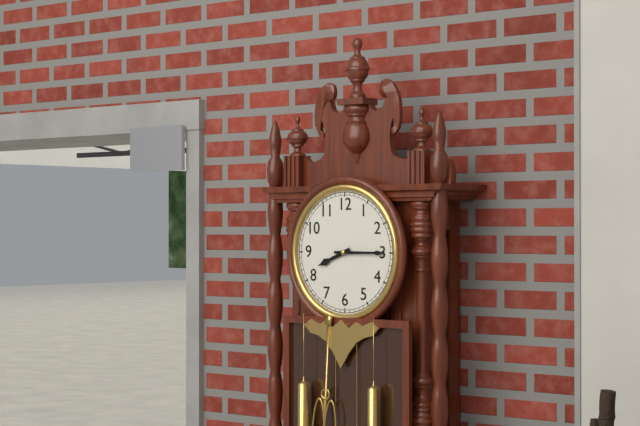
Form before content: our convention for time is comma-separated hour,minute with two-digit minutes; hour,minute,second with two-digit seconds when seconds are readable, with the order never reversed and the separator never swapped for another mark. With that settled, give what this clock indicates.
8,15
